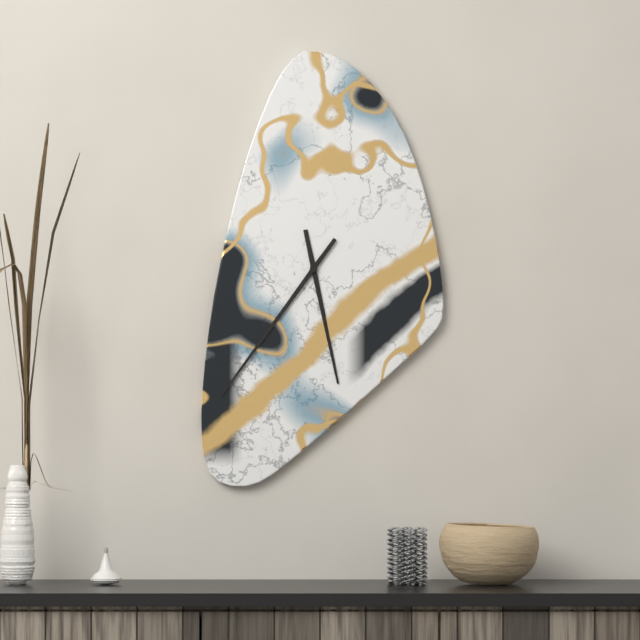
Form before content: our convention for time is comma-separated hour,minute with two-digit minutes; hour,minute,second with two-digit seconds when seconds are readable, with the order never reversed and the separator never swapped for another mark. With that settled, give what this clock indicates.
5,36
